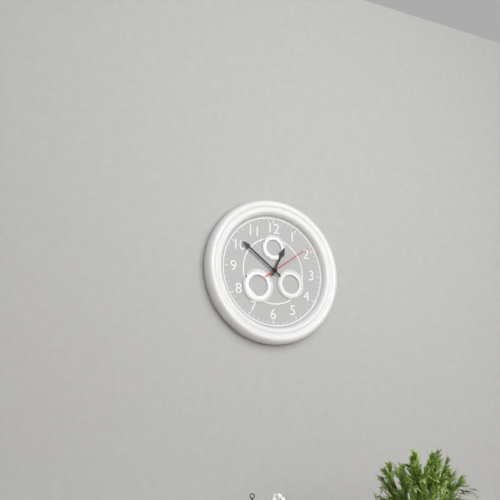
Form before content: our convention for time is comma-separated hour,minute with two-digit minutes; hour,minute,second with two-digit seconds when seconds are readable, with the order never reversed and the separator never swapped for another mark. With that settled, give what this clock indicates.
12,51
